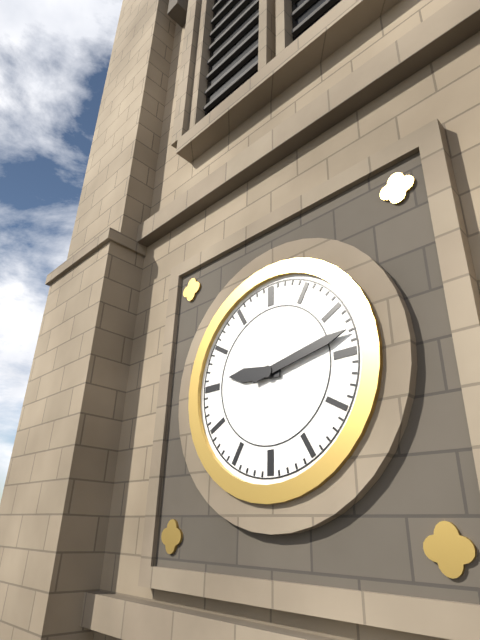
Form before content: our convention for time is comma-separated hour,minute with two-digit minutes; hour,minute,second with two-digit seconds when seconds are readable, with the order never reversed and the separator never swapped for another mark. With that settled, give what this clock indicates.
9,13
